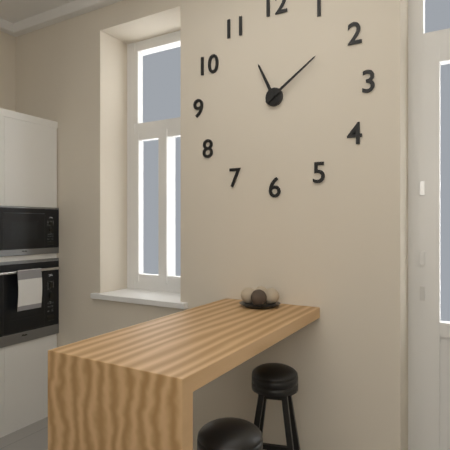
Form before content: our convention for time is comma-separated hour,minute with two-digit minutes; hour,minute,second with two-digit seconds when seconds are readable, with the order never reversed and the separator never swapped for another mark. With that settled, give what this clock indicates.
11,09
